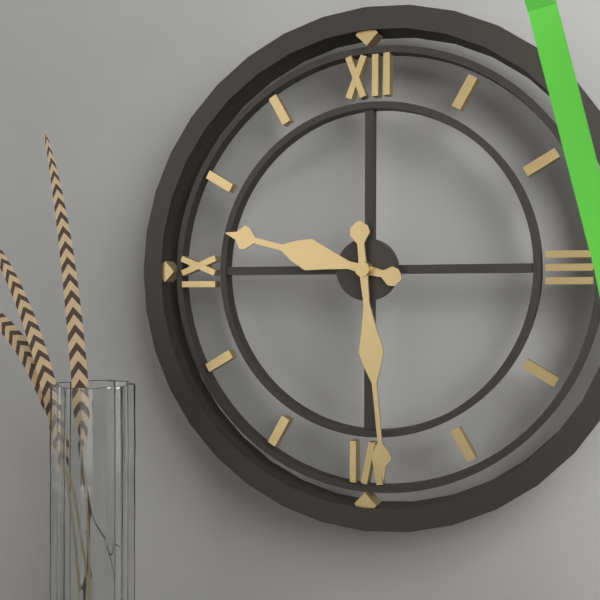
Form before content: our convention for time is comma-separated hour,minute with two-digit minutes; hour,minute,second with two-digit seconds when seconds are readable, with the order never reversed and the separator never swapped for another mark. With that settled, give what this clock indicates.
9,29
